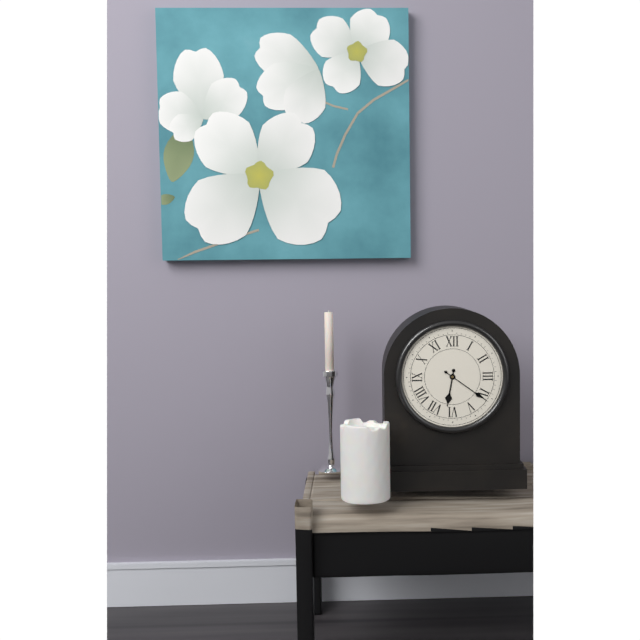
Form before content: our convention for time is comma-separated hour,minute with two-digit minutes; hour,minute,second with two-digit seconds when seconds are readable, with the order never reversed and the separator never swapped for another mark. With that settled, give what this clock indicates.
6,21
